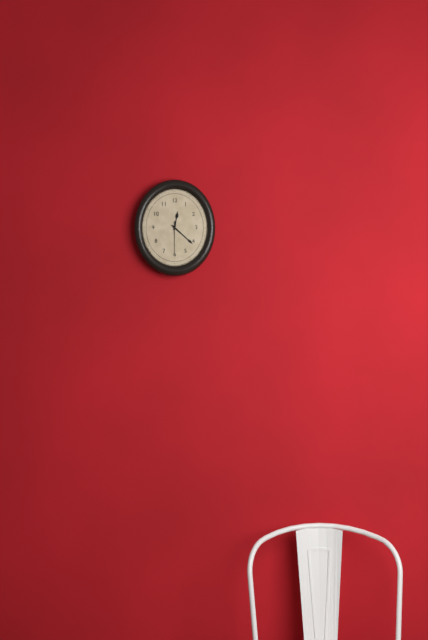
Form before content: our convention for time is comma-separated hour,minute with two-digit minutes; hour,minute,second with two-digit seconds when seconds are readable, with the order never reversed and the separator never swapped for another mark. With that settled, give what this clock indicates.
12,22
